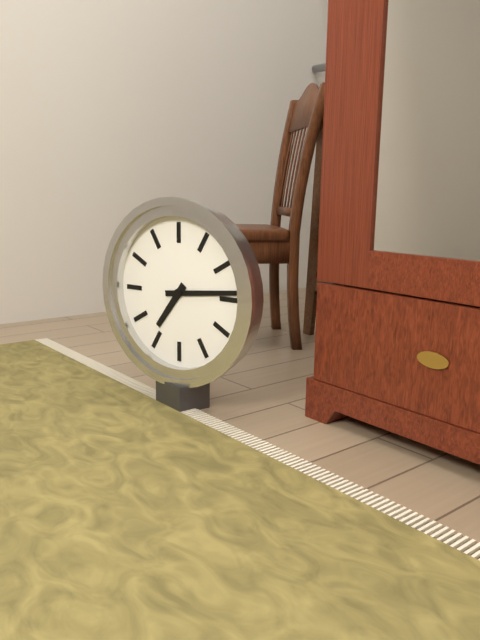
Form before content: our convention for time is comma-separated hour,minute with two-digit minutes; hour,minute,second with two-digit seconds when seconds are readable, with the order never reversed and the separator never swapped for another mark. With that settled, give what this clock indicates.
7,14
